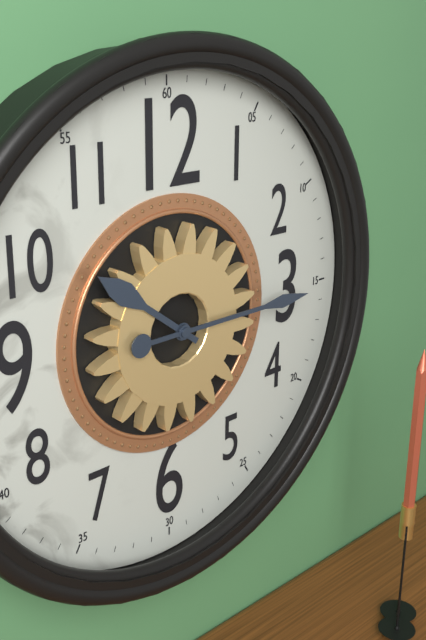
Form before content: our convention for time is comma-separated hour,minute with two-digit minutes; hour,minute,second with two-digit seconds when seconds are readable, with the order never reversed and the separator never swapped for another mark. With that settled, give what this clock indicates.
10,15
